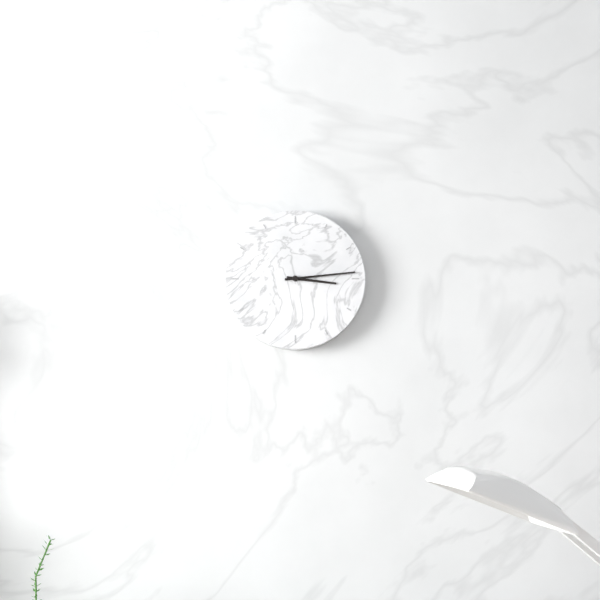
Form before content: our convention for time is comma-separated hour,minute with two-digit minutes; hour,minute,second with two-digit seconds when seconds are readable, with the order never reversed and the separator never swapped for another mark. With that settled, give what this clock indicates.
3,14
